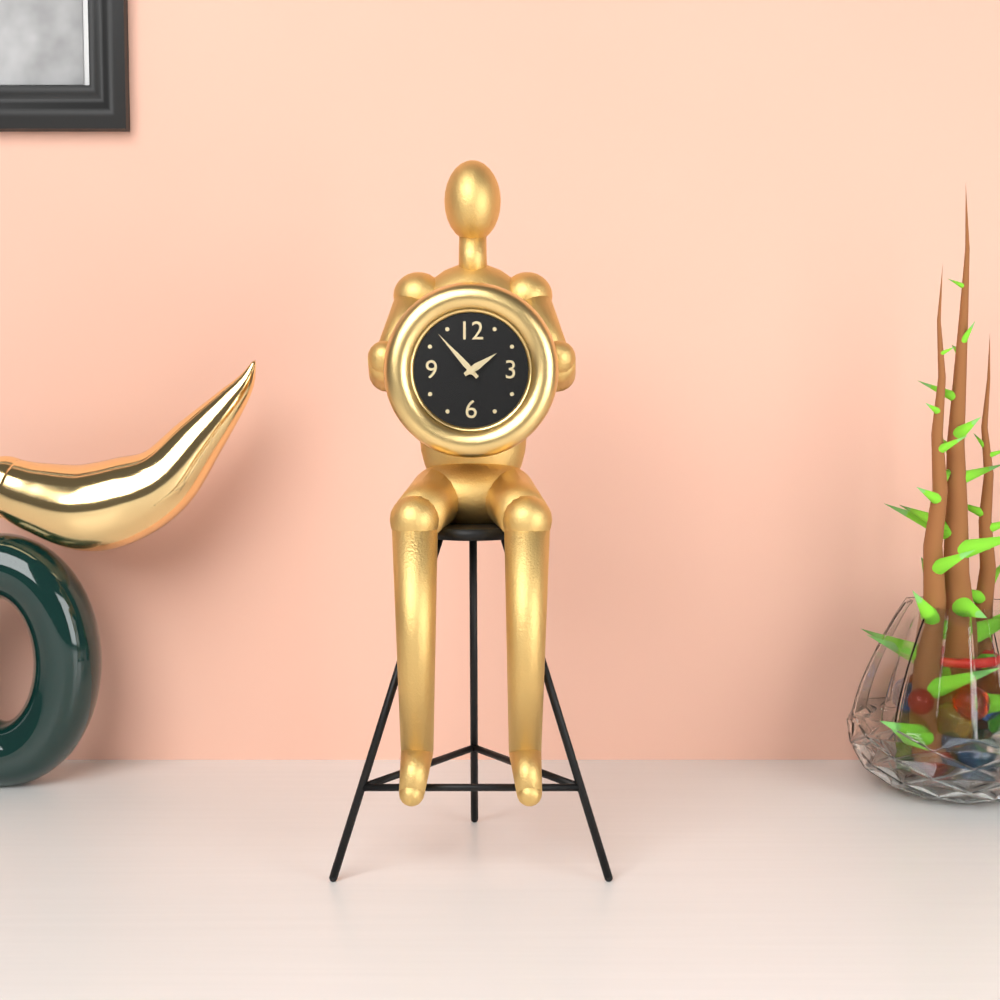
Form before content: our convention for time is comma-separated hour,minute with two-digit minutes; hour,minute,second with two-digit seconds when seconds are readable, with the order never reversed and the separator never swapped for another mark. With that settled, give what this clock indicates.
1,53
